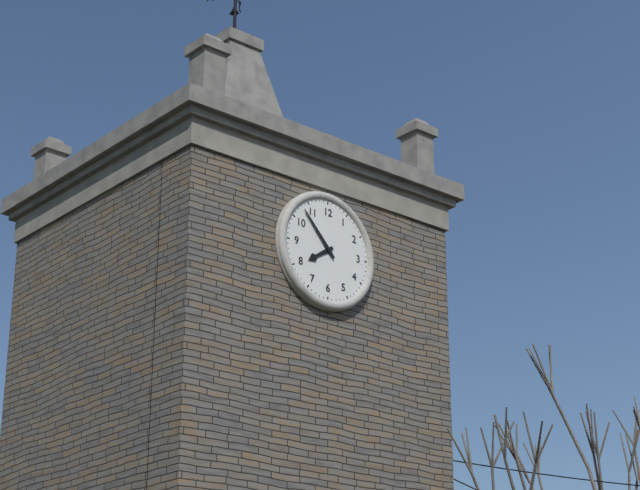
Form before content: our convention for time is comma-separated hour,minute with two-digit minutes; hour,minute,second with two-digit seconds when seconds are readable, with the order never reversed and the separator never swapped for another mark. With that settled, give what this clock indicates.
7,53
